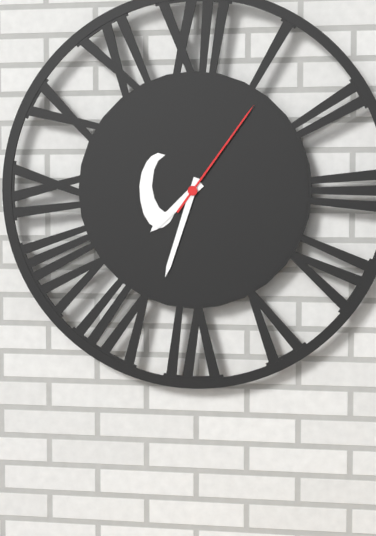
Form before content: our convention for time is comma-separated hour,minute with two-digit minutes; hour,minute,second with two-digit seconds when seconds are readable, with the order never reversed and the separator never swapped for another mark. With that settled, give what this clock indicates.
7,33,06
